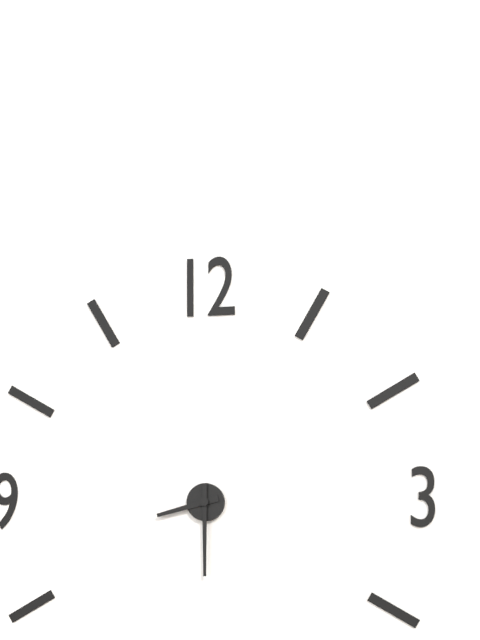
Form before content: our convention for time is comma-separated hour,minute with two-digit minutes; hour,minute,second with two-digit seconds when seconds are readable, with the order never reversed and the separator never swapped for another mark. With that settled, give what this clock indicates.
8,30
